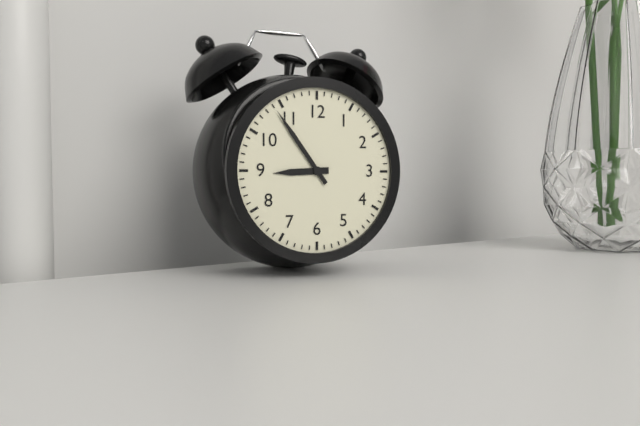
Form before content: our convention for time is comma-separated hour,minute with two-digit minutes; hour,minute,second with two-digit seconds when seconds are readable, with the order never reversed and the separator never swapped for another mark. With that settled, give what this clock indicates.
8,54
